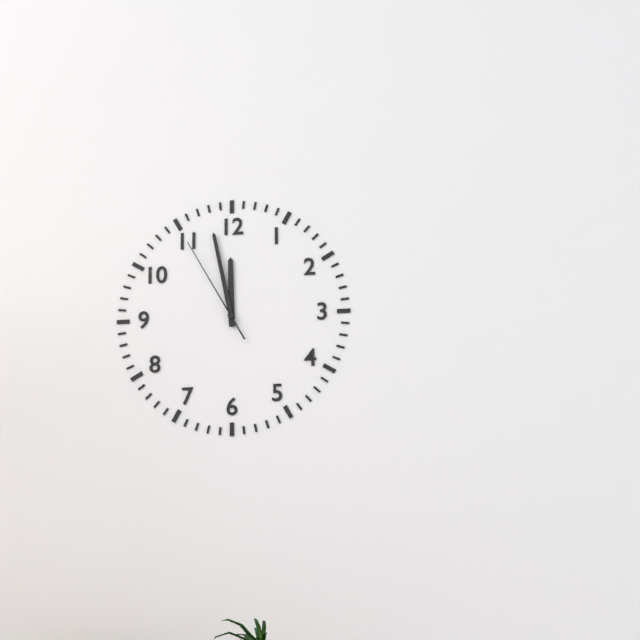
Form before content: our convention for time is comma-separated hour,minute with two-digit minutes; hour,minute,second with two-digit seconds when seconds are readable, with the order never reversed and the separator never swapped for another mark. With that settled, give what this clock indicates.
11,58,55
